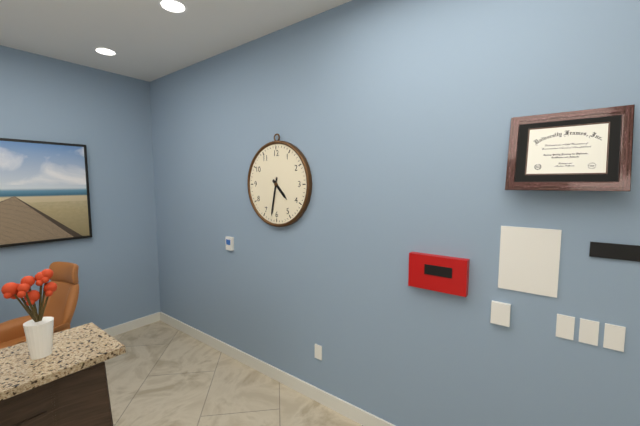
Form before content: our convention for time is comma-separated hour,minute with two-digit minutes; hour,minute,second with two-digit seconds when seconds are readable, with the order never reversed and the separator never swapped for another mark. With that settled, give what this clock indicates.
4,32
